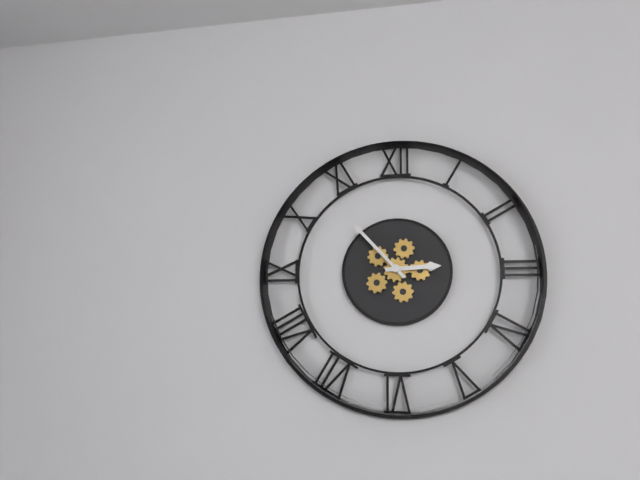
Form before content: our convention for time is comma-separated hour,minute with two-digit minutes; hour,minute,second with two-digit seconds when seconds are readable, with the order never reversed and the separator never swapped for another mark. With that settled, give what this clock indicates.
2,53
